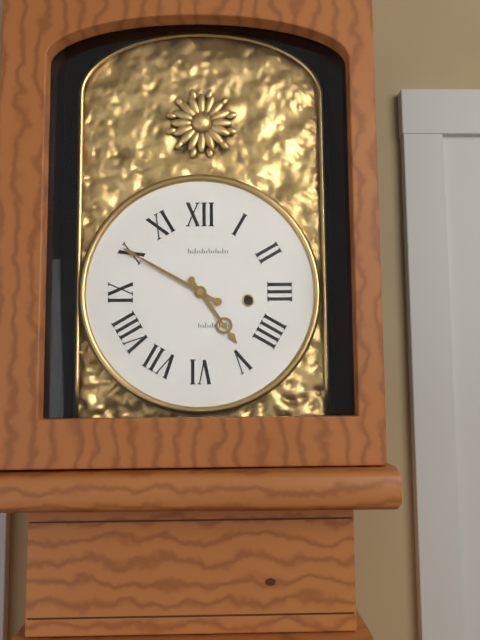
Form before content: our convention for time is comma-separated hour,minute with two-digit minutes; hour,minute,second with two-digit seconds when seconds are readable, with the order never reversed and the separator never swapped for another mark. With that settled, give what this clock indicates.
4,50
